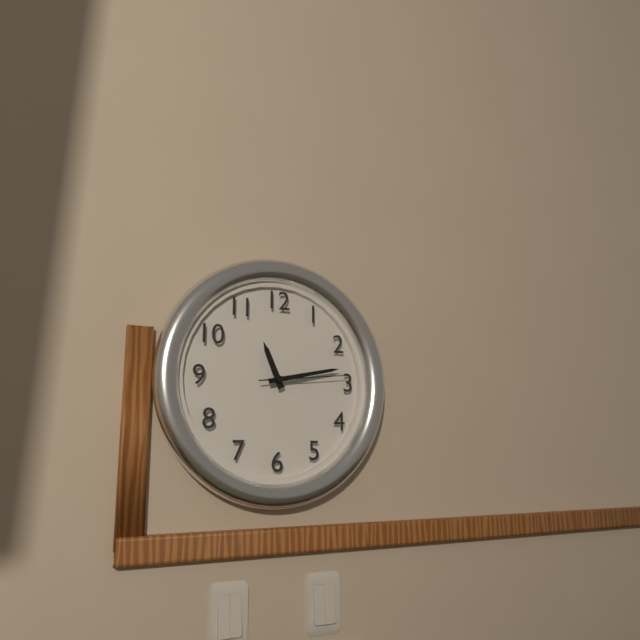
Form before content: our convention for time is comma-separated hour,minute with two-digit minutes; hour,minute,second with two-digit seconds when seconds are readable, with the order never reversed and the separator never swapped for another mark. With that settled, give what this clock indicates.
11,13,14
